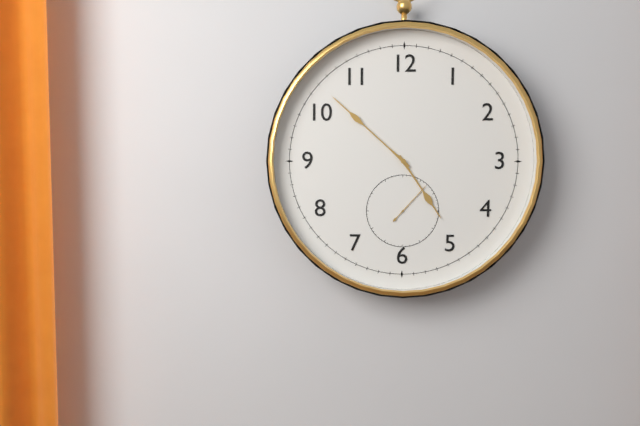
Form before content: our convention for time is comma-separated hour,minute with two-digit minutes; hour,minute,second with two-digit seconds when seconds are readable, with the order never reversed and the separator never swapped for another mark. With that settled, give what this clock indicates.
4,52
